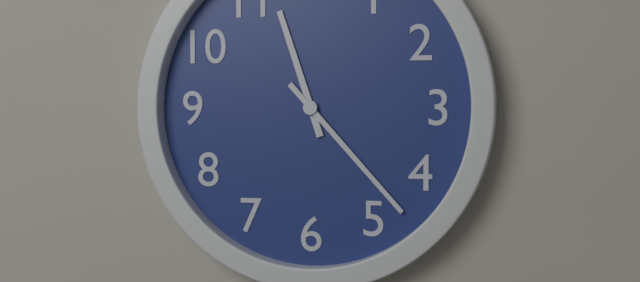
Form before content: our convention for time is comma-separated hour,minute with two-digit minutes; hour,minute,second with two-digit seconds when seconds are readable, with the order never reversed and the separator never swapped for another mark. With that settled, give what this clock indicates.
11,23
